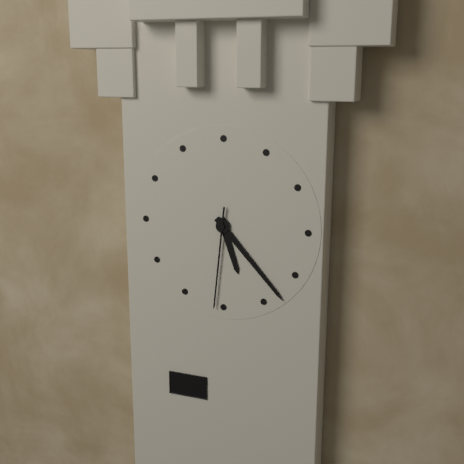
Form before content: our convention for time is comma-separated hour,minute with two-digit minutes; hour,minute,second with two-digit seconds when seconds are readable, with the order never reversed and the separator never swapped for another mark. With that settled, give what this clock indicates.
5,23,31
